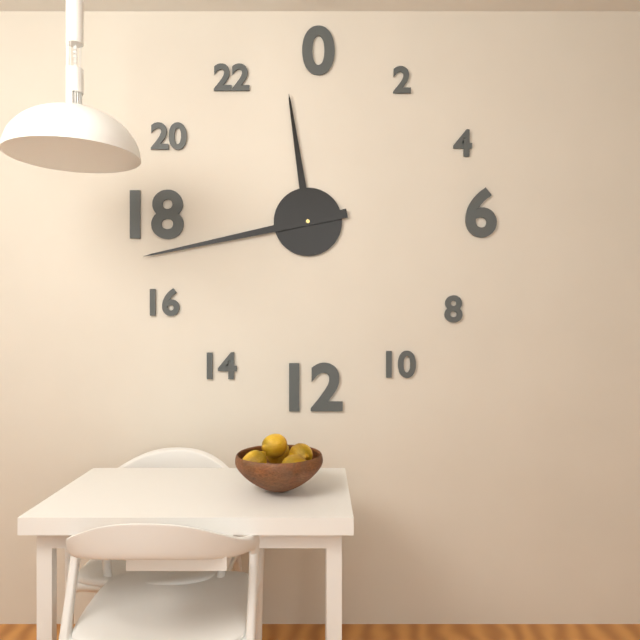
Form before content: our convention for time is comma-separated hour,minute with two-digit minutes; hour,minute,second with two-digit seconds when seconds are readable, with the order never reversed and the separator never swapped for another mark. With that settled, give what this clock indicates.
11,43
